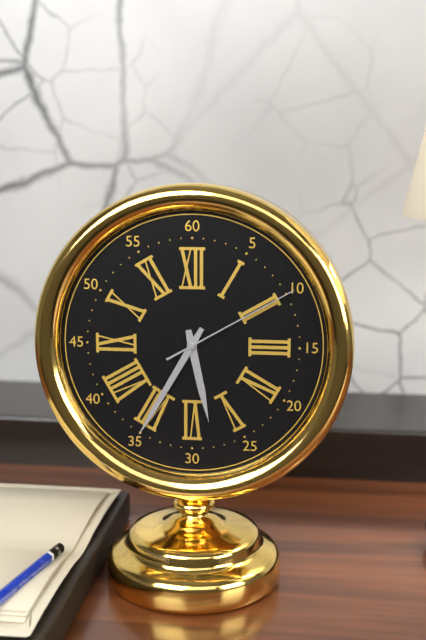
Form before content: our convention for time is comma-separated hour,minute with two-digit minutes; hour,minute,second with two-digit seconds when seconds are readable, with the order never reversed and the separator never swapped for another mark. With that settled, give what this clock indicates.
5,35,10
